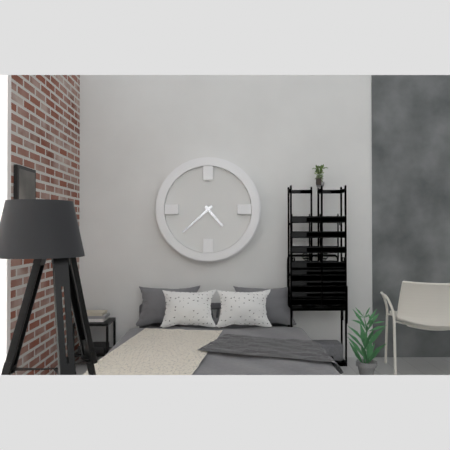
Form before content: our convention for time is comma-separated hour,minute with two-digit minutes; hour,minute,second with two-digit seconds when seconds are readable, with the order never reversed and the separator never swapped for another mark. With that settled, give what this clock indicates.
4,38
